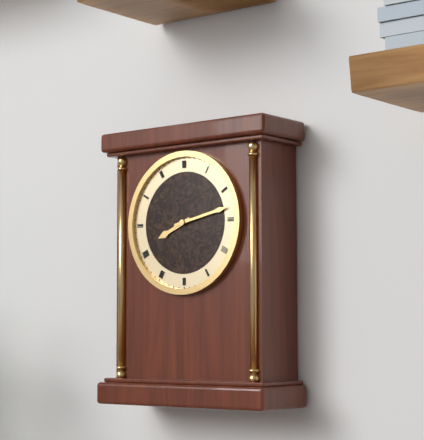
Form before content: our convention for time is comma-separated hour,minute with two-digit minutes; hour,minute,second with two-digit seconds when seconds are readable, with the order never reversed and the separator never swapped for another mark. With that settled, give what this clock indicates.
8,13
